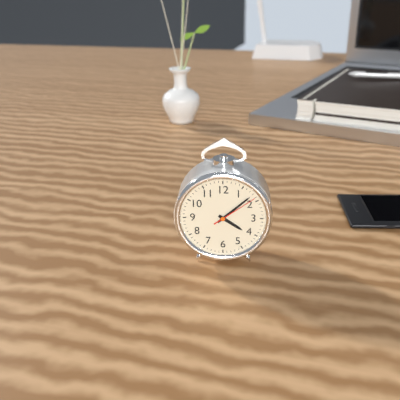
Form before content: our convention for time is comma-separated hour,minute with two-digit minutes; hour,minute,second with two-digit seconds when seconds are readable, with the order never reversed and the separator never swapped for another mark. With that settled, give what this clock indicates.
4,08
